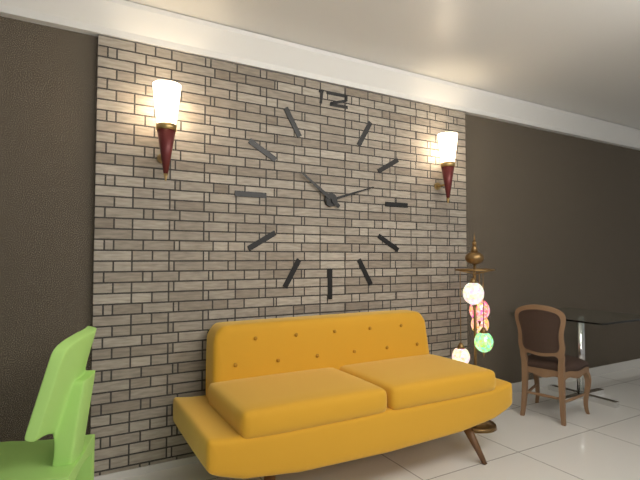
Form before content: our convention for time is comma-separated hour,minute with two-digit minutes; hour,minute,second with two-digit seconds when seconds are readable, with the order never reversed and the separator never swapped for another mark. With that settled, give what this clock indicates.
10,12
